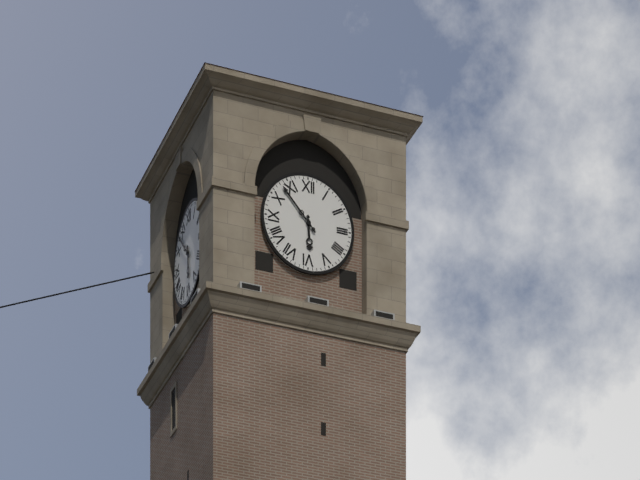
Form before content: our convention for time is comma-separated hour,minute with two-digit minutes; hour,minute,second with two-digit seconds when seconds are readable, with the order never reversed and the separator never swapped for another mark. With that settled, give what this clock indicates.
5,53
